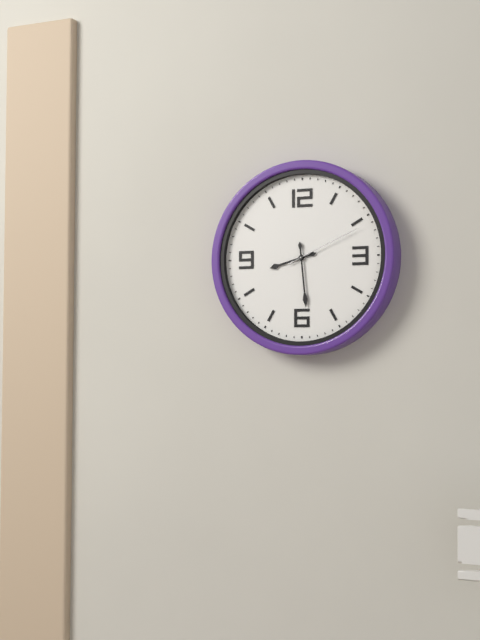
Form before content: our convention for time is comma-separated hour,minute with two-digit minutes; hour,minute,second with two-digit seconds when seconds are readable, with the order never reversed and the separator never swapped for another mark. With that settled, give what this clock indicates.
8,29,11
